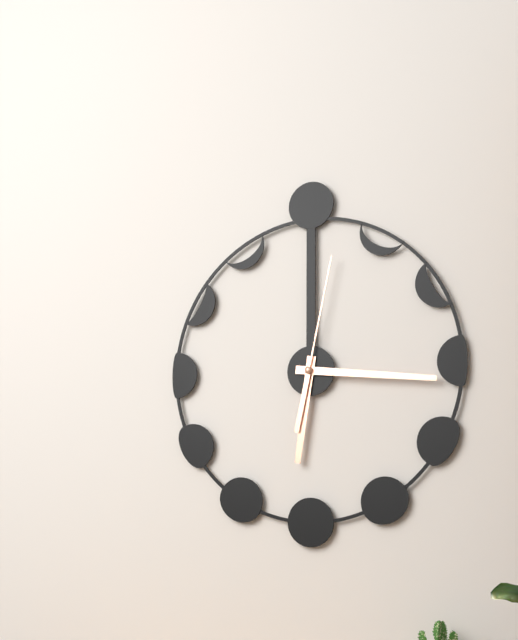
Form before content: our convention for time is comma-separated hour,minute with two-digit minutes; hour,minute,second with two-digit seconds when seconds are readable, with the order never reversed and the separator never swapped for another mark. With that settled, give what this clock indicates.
6,16,02
